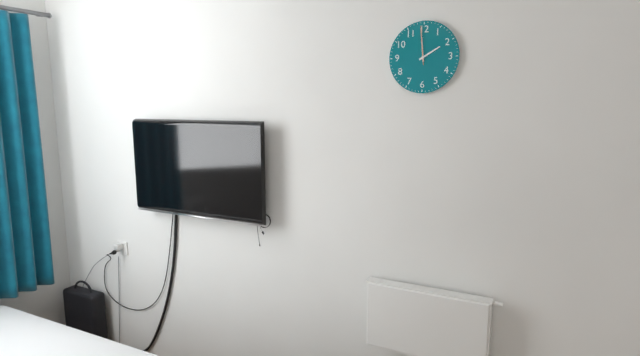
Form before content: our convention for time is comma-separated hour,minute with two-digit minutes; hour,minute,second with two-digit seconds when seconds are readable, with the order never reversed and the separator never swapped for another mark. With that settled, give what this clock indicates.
1,59
